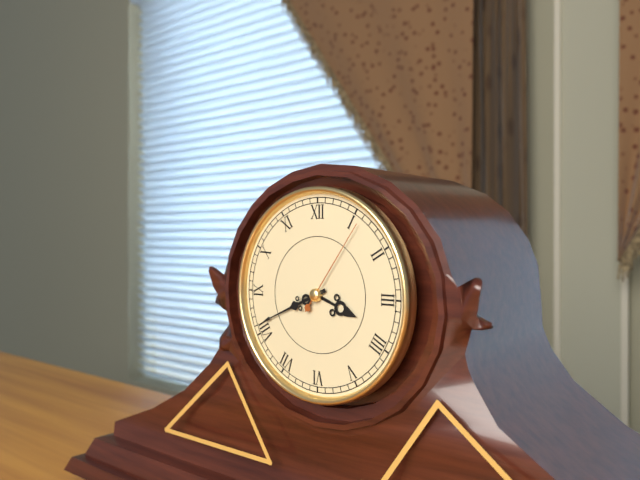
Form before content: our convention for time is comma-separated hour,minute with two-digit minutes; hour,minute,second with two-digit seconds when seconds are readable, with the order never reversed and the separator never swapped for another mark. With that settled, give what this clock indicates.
3,41,06
